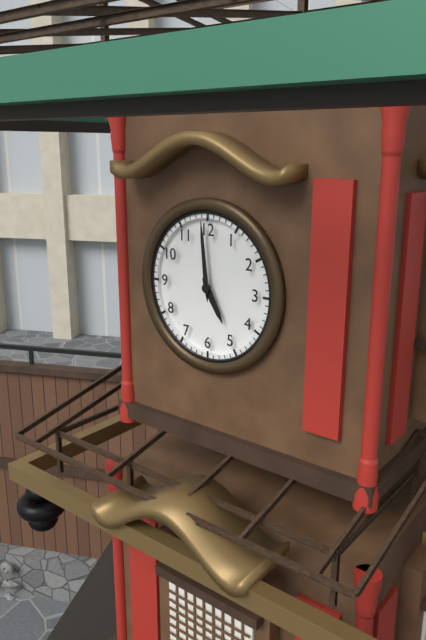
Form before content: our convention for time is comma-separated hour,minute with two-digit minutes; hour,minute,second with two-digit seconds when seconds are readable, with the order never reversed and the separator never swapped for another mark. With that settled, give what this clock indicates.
4,59
